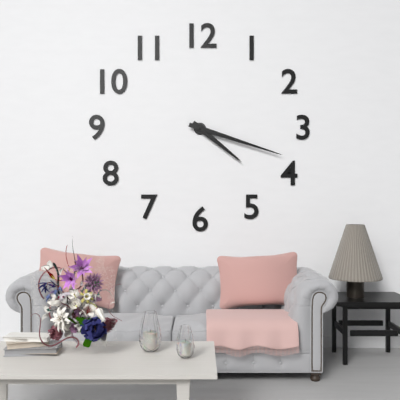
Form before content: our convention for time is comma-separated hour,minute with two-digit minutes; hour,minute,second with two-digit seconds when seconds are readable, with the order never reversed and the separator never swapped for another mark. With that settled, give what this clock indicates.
4,18
